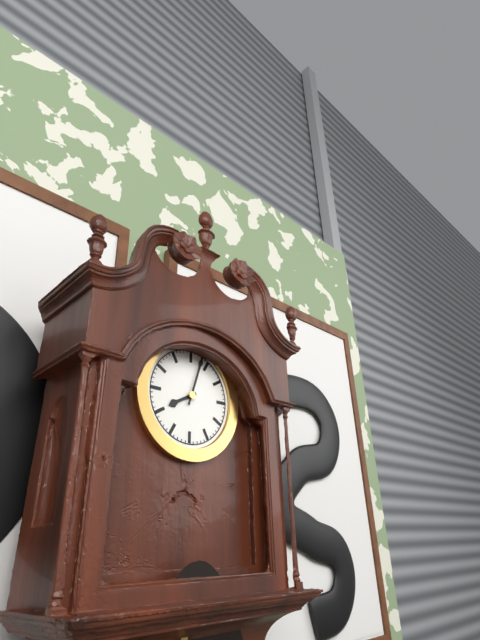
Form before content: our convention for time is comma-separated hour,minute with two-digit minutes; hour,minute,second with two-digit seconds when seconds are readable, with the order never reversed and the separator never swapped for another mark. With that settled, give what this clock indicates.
8,03
